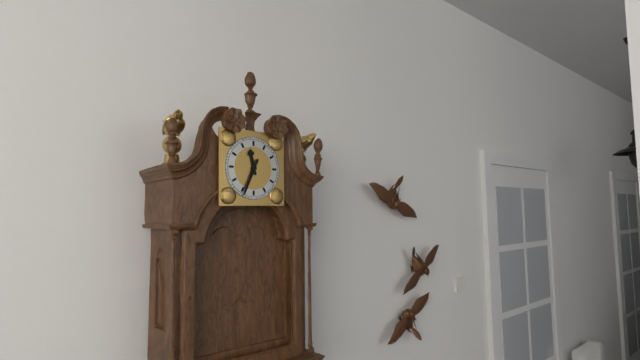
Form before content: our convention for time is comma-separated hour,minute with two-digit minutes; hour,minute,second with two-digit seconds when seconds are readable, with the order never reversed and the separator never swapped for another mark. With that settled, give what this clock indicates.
11,34
